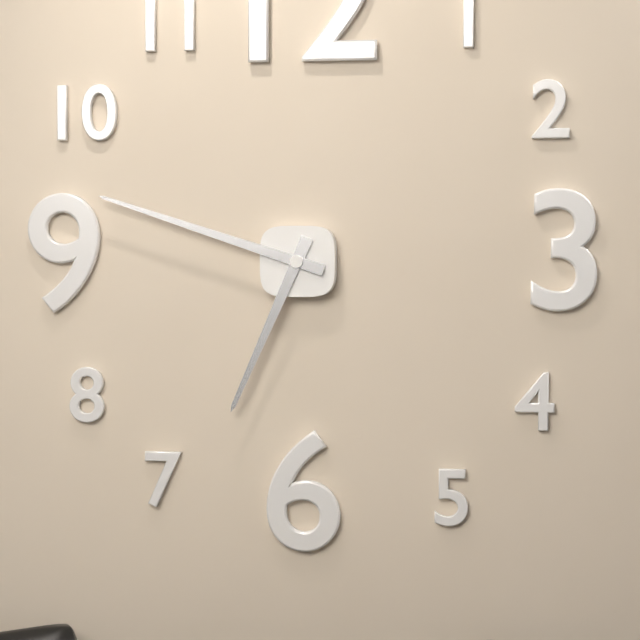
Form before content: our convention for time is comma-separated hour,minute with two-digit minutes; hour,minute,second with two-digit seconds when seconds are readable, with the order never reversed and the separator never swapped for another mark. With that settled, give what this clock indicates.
6,48
